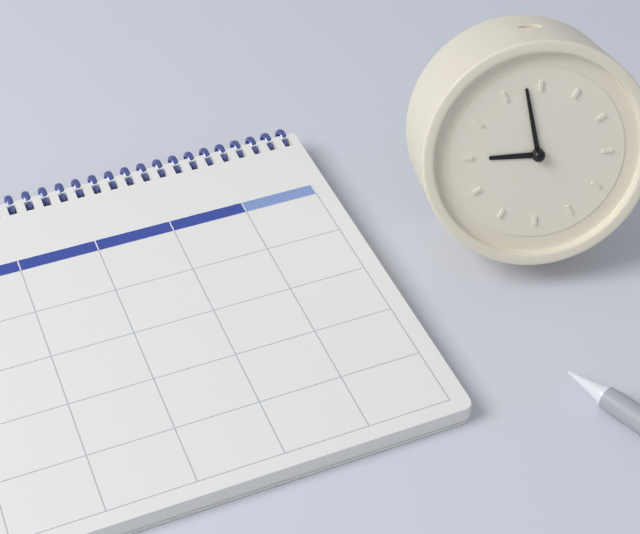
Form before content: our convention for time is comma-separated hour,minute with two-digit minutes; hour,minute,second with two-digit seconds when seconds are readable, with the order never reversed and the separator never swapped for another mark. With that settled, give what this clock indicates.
8,58
